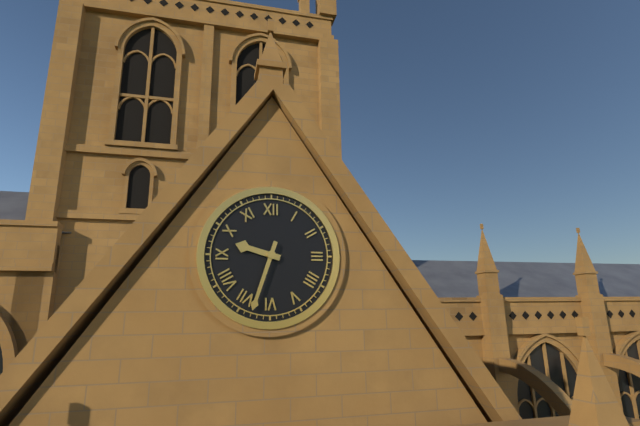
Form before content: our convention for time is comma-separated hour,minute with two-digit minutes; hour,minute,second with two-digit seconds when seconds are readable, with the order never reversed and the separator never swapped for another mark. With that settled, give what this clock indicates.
9,33
